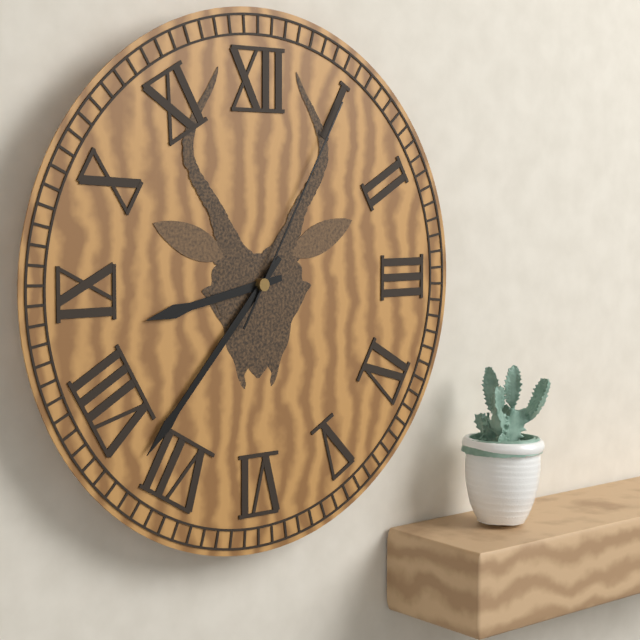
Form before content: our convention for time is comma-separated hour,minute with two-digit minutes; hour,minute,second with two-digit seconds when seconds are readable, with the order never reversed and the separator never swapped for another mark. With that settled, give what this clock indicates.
8,37,05
